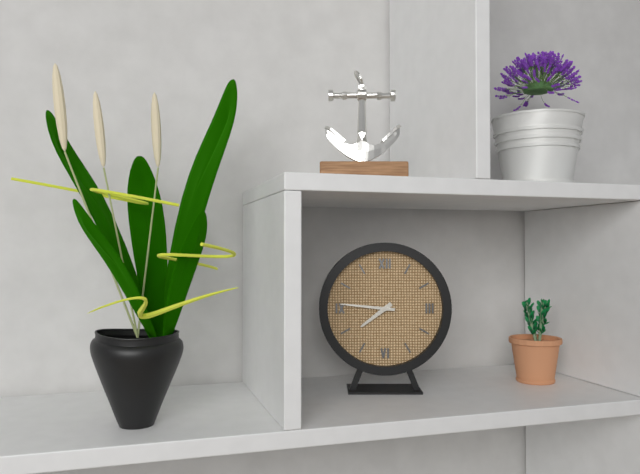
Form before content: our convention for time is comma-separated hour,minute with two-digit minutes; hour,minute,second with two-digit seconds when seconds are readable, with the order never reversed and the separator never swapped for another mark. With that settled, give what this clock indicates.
7,46
